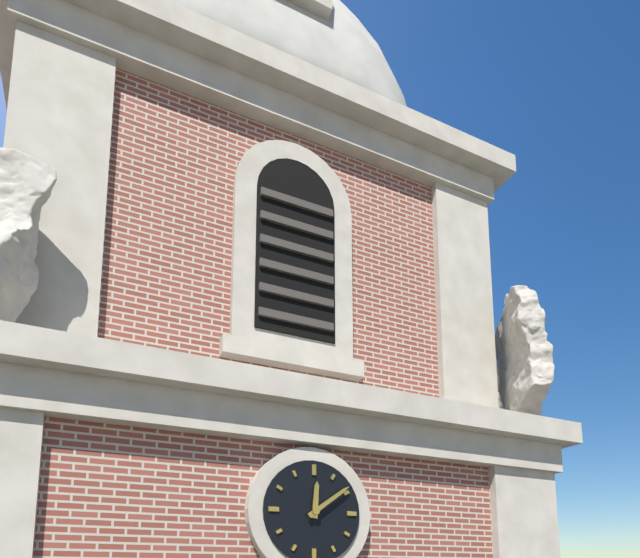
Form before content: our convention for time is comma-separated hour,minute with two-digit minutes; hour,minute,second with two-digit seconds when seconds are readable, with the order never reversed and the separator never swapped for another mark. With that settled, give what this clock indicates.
12,09
